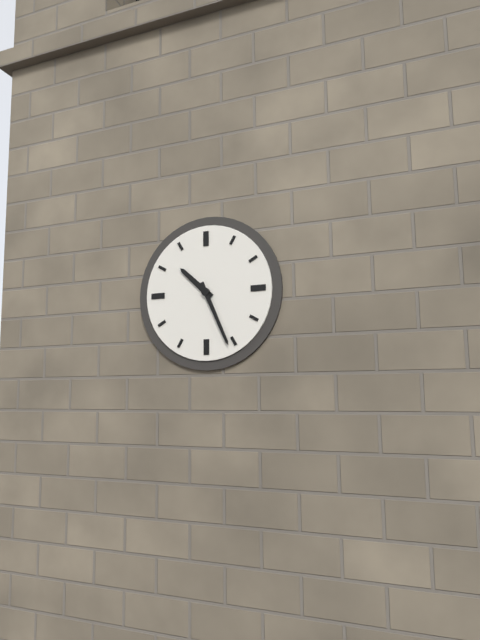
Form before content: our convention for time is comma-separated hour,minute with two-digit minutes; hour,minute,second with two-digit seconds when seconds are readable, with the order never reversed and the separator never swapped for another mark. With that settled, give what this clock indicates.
10,26
